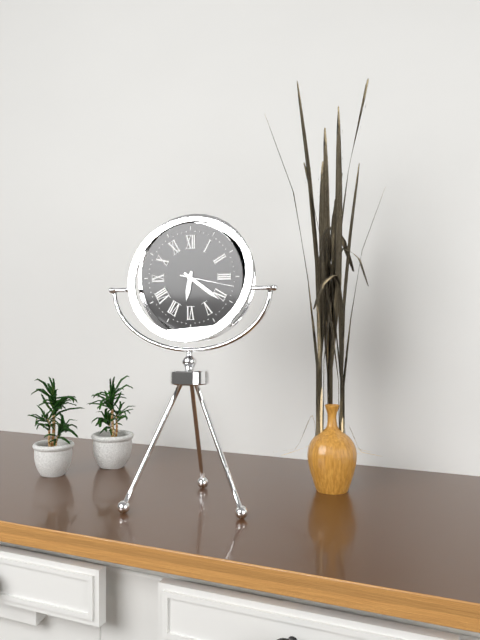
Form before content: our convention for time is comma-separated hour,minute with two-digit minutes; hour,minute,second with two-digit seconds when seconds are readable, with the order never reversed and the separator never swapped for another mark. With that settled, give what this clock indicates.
6,21,17
